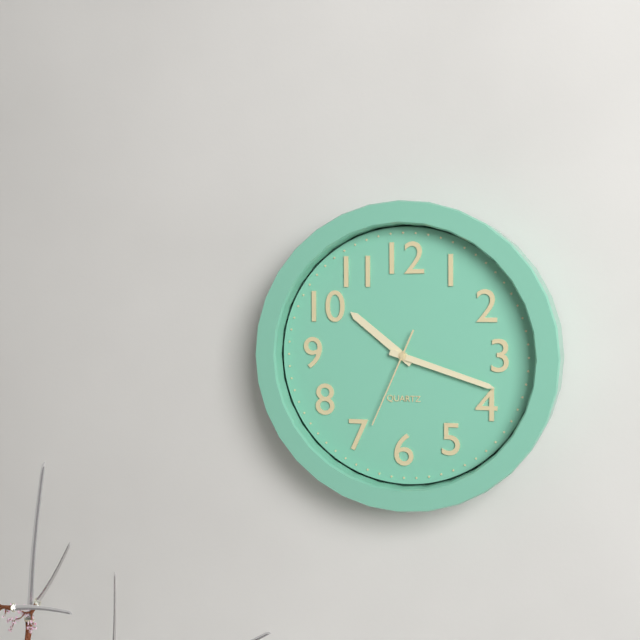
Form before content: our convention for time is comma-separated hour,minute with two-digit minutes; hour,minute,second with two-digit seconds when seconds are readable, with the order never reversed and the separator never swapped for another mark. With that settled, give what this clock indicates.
10,18,34
